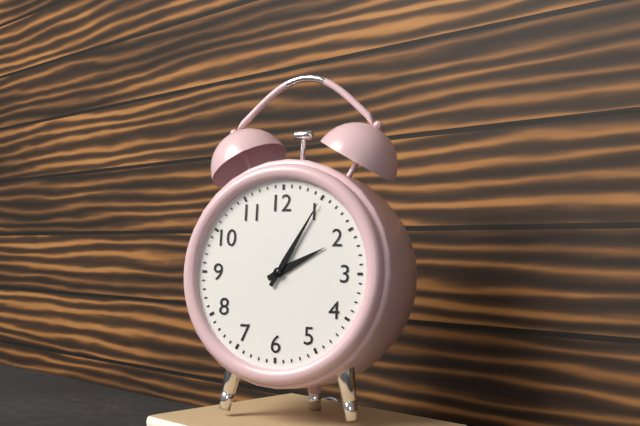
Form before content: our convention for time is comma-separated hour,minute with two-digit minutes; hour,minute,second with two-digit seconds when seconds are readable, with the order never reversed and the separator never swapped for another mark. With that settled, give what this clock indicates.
2,05
